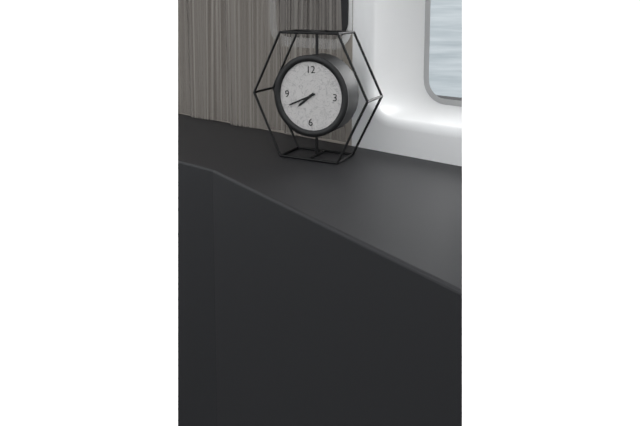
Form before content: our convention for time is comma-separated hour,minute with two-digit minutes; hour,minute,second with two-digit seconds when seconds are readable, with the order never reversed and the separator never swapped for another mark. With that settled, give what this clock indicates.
7,41
